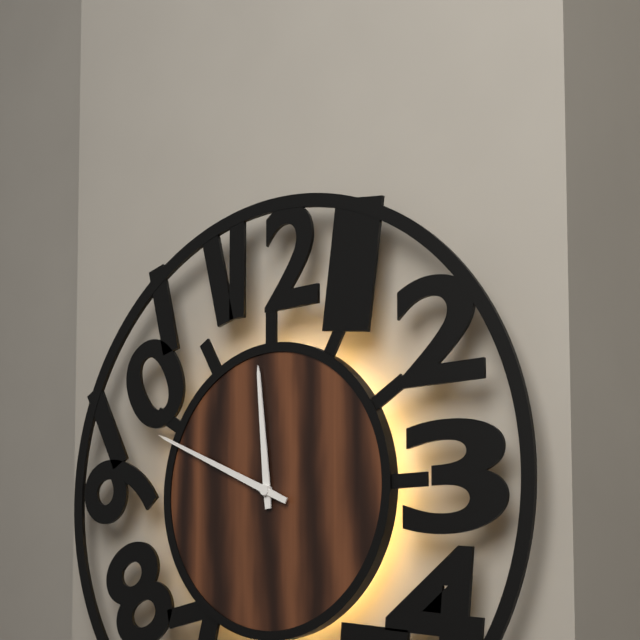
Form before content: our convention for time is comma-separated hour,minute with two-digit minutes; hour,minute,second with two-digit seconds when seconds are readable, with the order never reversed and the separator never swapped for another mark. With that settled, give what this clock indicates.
11,49
